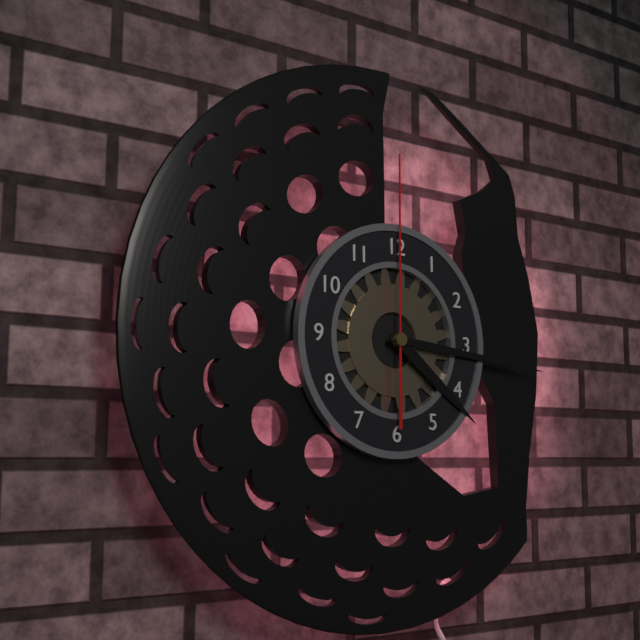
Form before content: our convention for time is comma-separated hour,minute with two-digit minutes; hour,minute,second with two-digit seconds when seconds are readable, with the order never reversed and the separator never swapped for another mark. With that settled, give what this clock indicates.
4,16,00
